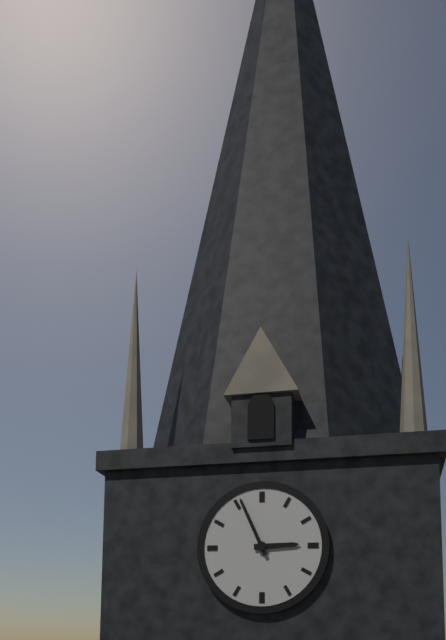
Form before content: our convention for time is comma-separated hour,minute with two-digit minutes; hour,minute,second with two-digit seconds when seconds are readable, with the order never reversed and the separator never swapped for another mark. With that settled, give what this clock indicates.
2,56
